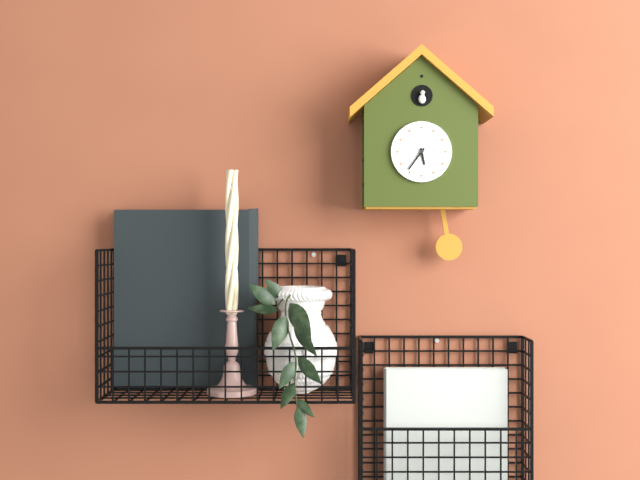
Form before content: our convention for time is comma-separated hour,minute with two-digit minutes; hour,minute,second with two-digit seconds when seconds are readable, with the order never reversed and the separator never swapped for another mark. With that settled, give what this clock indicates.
5,36
